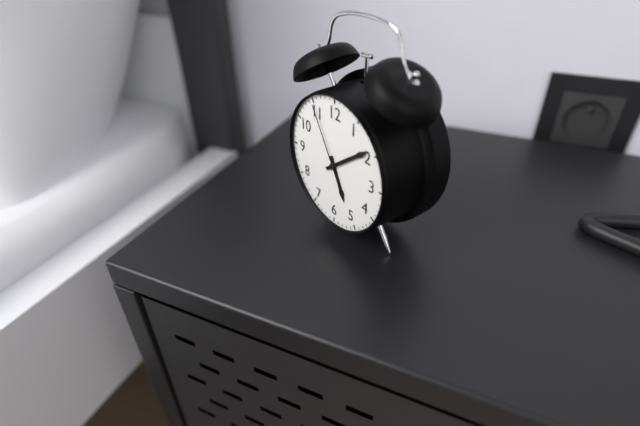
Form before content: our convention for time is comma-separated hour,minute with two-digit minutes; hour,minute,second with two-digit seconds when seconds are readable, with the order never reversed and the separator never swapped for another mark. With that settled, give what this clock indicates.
5,09,55
